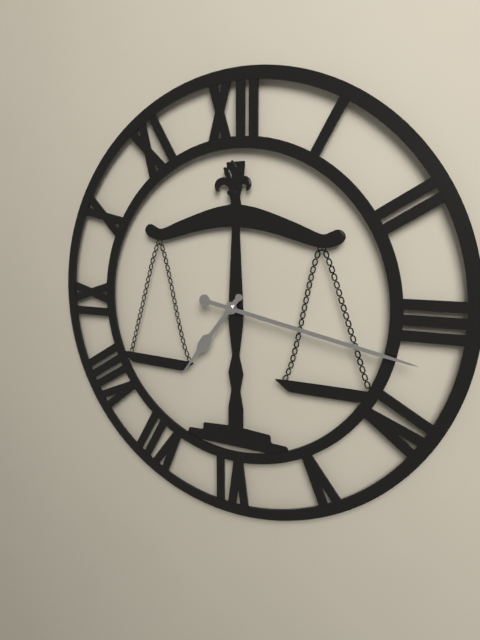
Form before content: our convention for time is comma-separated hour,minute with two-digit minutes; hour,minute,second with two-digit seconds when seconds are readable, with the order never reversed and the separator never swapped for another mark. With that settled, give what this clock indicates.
7,17
